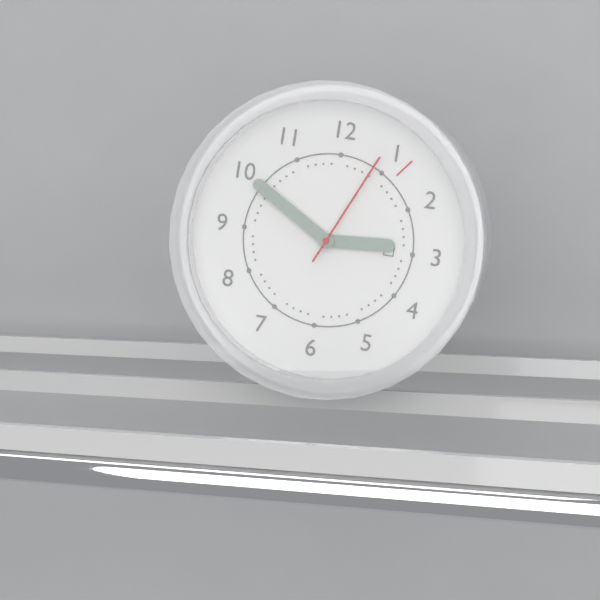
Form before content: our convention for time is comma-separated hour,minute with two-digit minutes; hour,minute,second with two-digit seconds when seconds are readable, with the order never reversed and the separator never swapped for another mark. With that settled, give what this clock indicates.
2,50,04
